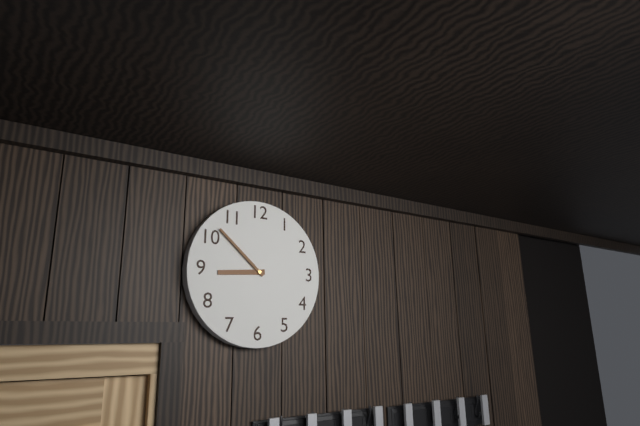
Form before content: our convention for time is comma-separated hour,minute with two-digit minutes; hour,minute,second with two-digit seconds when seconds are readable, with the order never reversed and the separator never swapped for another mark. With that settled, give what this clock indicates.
8,52
